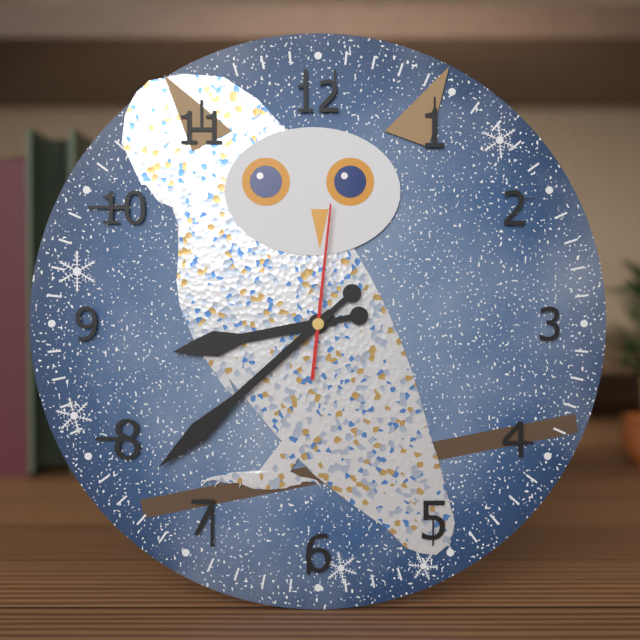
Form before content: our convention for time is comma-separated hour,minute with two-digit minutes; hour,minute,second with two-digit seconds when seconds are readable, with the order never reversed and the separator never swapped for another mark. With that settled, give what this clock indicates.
8,38,01
